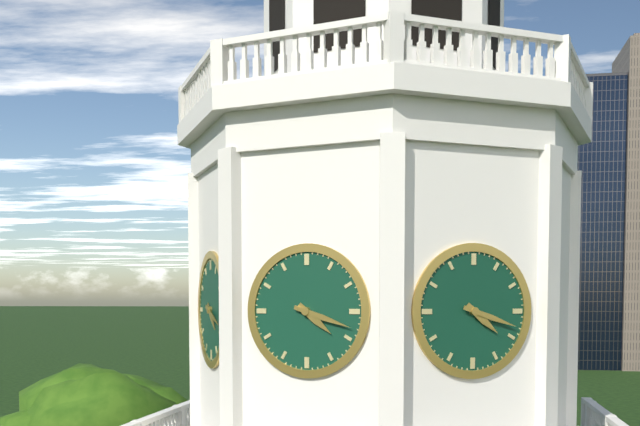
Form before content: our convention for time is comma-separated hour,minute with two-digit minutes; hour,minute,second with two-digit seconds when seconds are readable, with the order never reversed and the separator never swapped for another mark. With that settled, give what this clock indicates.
4,18
